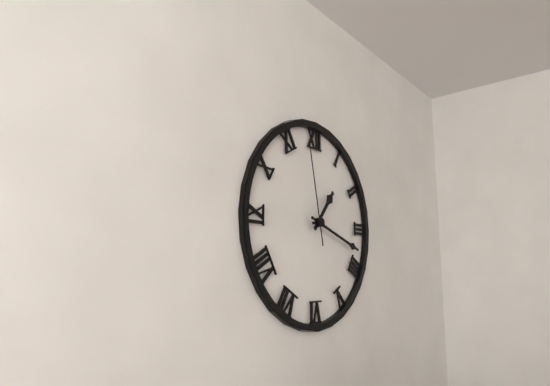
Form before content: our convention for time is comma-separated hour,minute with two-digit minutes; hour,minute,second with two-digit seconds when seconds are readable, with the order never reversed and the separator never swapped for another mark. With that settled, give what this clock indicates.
1,18,58
